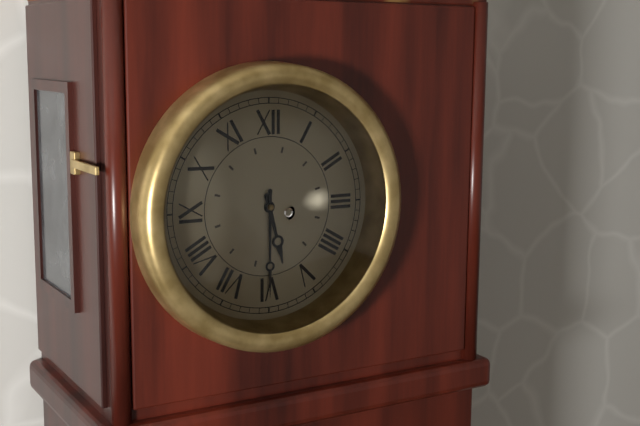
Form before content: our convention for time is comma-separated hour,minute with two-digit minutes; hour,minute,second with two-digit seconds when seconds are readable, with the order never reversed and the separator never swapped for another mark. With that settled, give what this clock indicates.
5,30
